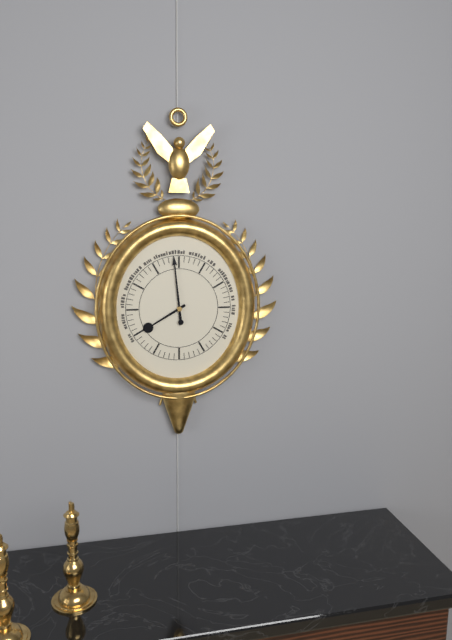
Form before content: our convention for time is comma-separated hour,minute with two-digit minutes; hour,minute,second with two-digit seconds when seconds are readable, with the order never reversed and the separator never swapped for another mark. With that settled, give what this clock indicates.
7,59
